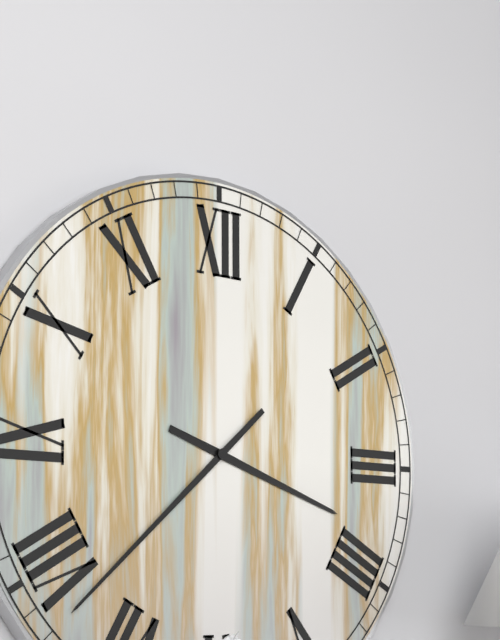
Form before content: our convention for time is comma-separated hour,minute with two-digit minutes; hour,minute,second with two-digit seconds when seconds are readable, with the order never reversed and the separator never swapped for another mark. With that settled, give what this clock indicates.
3,38
